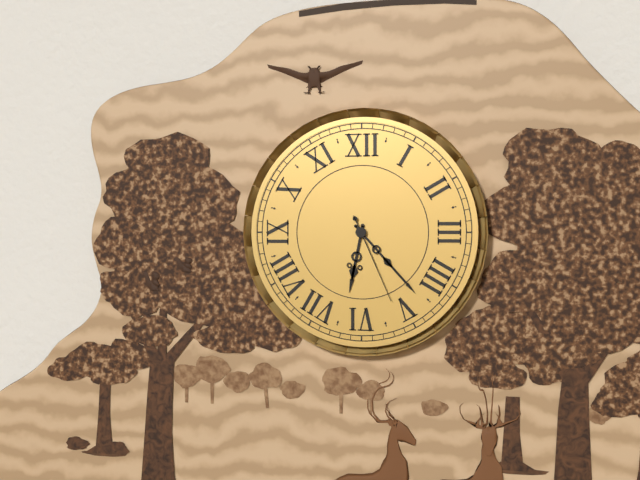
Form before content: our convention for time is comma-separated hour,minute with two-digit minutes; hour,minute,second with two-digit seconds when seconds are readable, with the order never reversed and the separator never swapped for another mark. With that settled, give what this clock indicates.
6,23,26
